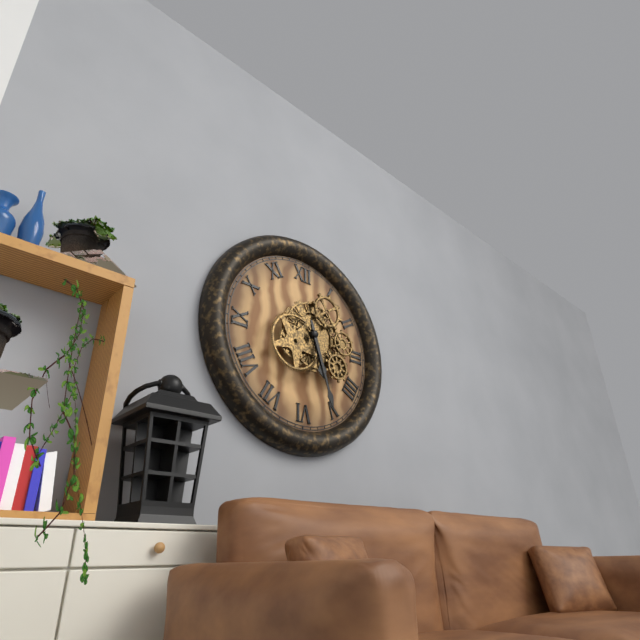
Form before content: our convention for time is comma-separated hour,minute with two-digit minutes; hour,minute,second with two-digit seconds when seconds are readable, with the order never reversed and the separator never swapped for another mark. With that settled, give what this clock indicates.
5,27
